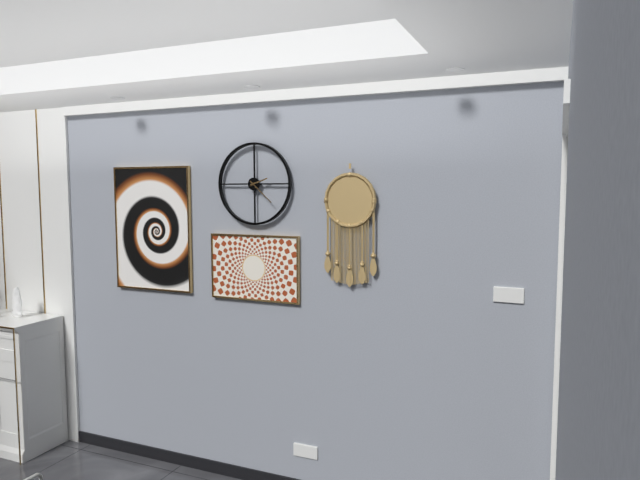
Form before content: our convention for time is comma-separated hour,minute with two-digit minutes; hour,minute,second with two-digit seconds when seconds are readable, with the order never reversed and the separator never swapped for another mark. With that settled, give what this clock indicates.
2,22
